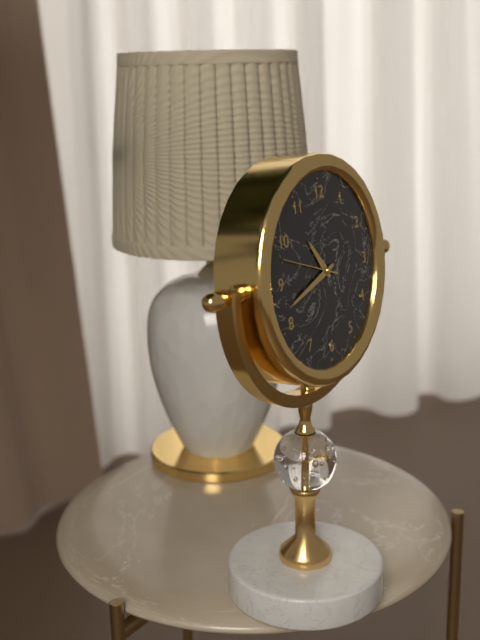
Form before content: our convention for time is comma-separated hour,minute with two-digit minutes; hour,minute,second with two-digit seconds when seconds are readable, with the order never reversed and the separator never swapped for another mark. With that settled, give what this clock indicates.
10,42,48
